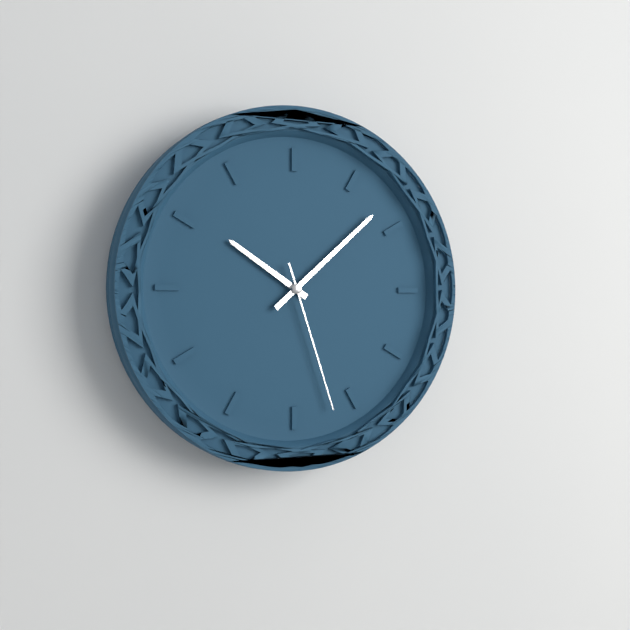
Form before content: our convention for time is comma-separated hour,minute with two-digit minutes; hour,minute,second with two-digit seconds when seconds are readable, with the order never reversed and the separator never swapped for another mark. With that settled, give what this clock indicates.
10,08,27
